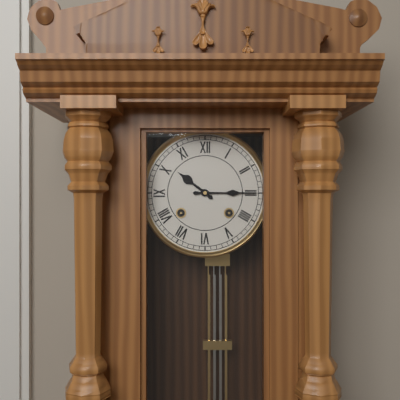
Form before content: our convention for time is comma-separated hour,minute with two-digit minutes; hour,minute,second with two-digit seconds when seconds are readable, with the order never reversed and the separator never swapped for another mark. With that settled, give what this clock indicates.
10,15
